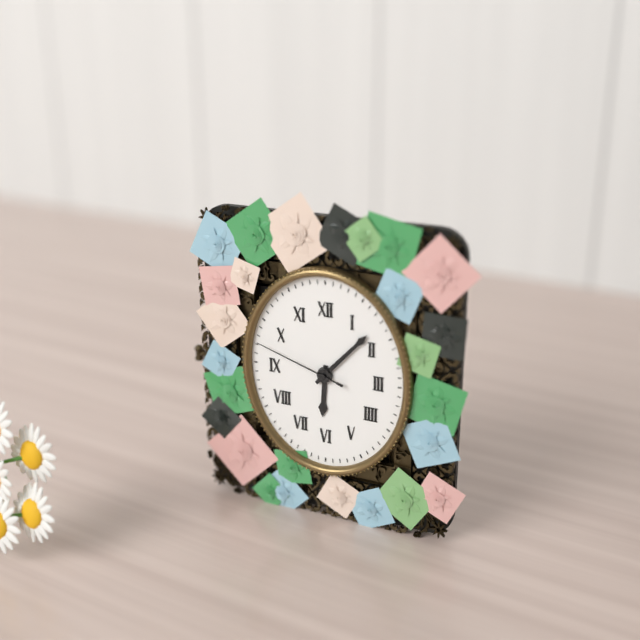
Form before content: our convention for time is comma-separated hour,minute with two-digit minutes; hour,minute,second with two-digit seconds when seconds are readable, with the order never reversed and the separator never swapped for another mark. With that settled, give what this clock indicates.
6,07,48
